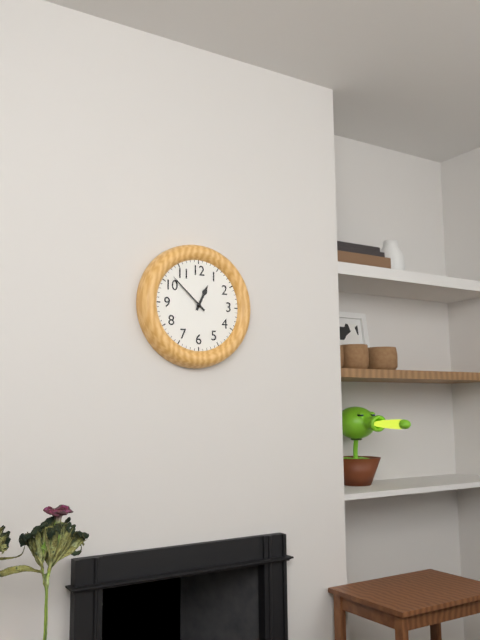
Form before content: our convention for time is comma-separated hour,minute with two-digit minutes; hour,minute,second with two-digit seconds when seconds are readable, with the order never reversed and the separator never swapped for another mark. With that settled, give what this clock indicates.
12,52
